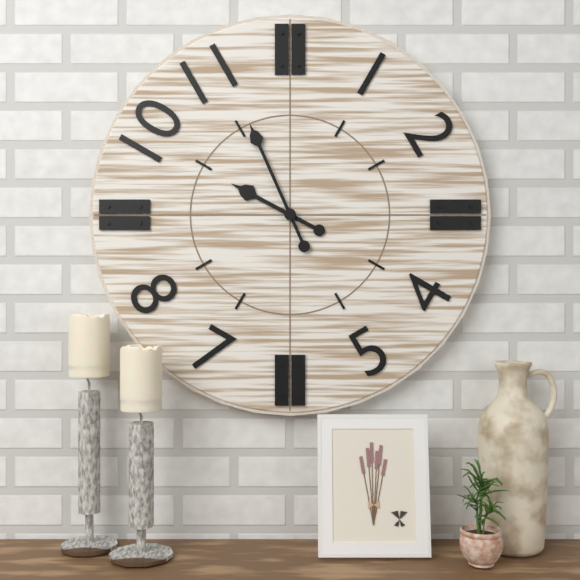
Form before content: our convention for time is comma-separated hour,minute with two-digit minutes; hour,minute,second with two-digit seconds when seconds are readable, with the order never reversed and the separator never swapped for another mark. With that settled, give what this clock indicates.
9,56
